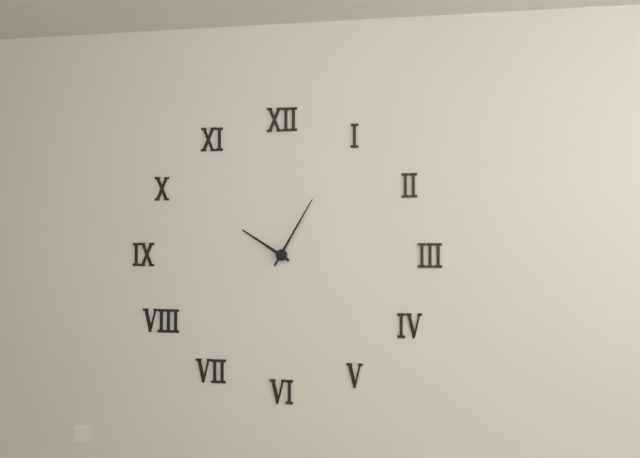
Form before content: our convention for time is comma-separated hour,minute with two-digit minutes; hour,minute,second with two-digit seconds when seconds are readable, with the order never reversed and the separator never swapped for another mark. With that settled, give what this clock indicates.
10,05
